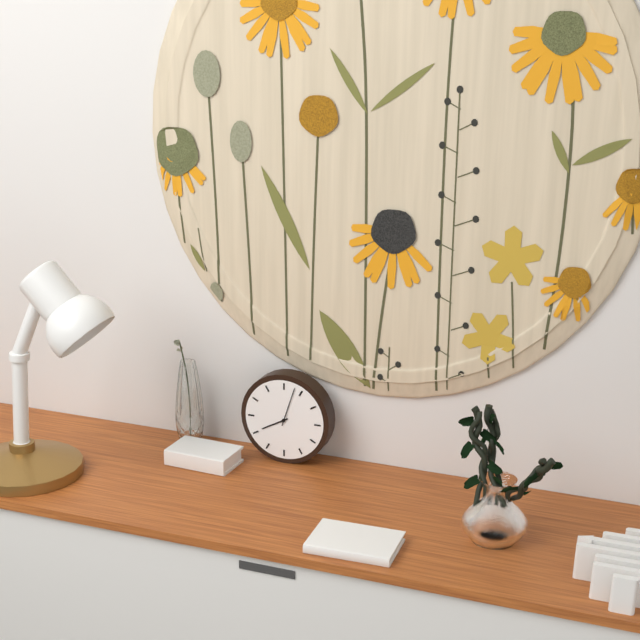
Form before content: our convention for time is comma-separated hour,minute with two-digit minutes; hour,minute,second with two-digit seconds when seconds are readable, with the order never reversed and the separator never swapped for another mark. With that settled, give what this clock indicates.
8,03
